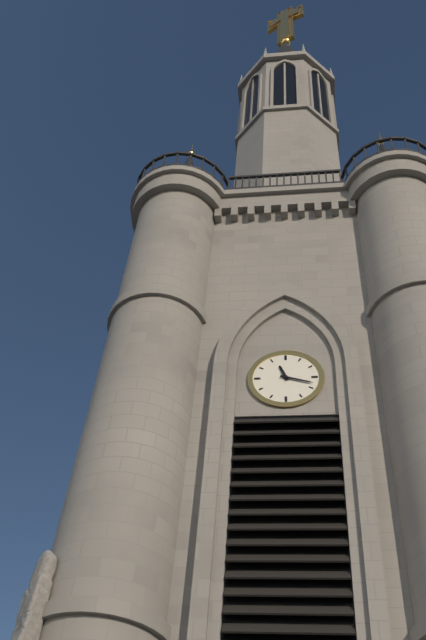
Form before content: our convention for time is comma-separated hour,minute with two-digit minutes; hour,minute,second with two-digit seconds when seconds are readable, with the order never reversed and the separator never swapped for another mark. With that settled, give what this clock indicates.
11,18
